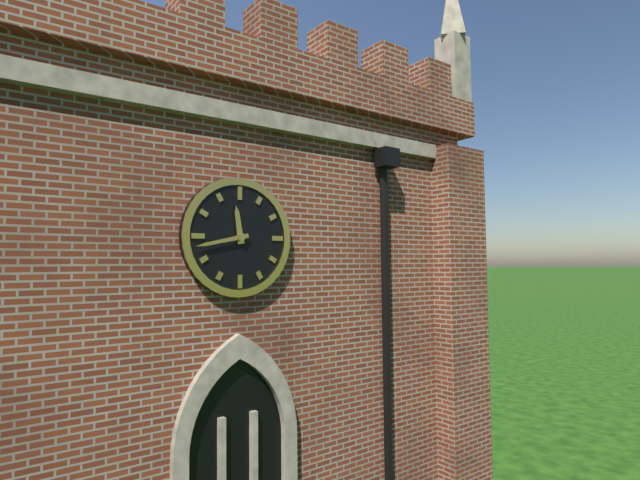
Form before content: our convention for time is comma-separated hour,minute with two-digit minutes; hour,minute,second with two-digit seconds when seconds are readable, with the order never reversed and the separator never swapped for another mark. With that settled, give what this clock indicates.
11,43
